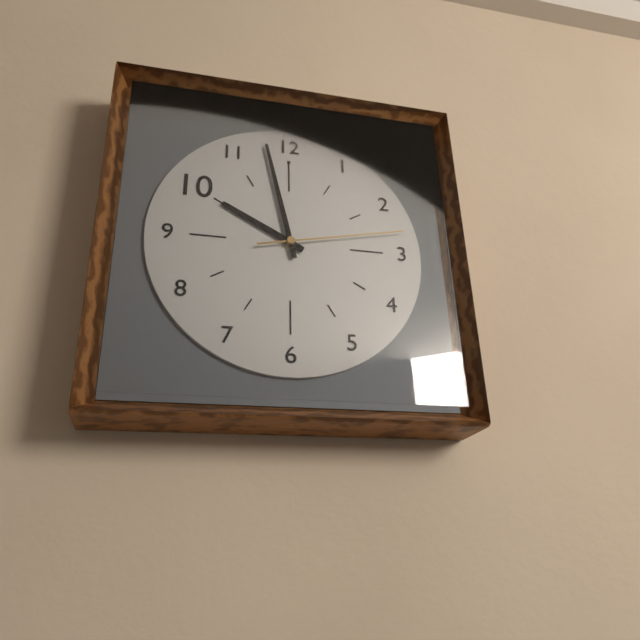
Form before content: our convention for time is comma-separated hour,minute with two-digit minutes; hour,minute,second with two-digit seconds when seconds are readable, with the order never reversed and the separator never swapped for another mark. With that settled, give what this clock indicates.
9,58,13
